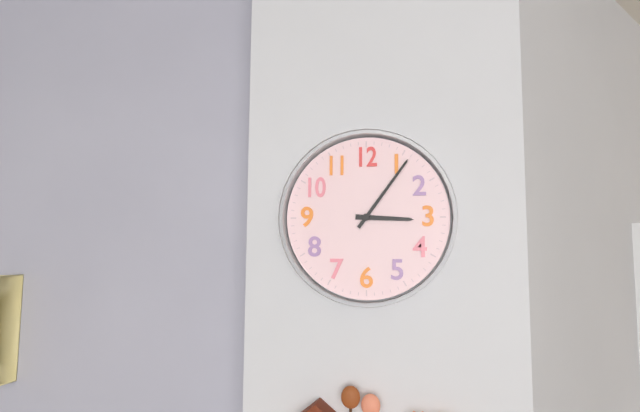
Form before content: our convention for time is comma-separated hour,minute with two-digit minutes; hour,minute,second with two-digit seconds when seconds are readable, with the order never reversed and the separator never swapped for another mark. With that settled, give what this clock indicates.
3,06
